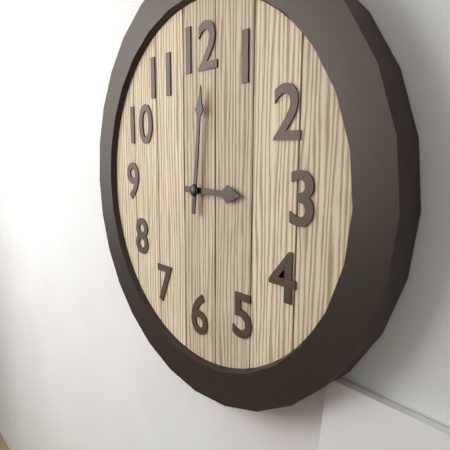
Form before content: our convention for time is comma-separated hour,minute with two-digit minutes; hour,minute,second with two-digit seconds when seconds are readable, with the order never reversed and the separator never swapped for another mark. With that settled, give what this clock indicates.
3,01
